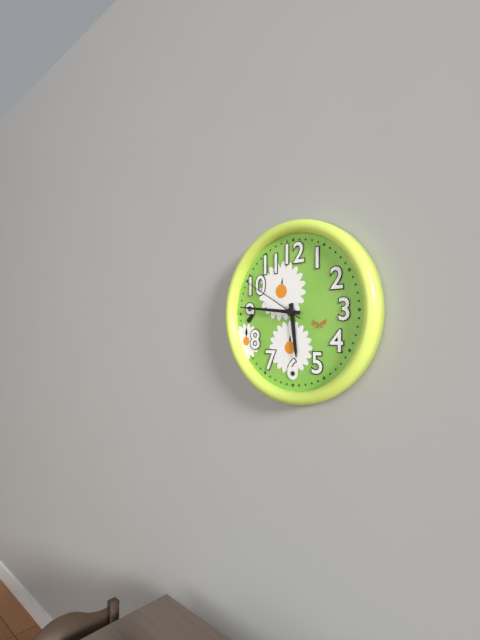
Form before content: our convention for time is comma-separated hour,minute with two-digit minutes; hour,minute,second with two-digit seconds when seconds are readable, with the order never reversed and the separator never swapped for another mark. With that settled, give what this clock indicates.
5,46,50
